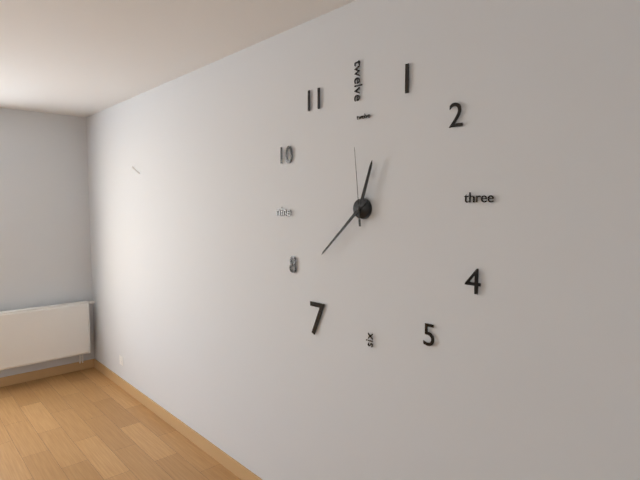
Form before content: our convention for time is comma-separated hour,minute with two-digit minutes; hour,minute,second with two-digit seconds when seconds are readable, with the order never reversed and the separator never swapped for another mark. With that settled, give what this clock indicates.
12,38,59
